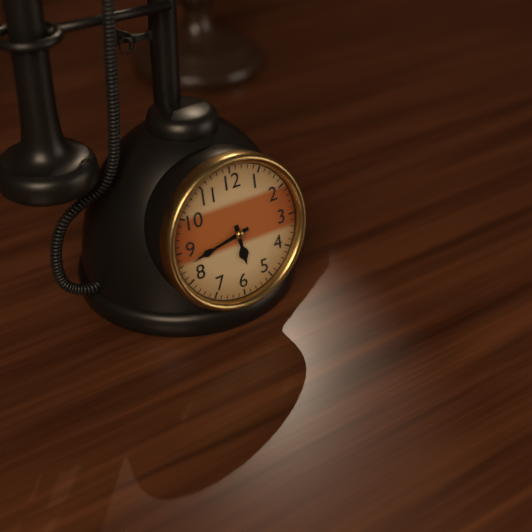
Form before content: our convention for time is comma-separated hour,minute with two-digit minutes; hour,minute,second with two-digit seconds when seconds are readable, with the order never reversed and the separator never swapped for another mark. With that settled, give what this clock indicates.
5,43
